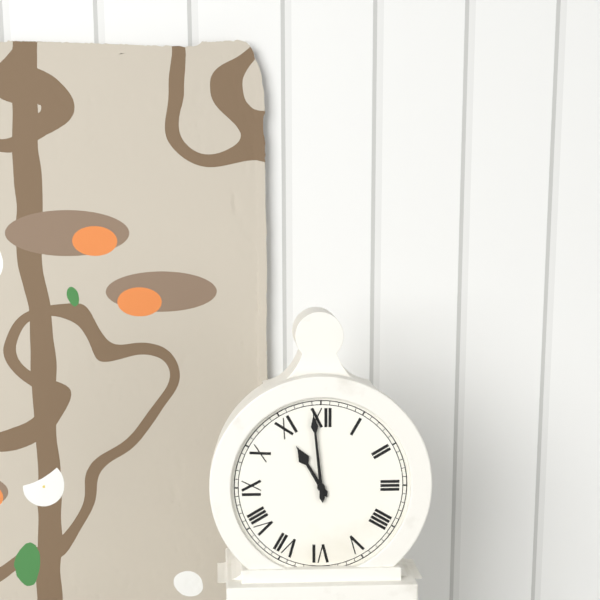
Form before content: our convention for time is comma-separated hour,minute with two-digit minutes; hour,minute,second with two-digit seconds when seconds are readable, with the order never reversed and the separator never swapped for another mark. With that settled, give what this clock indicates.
10,59
